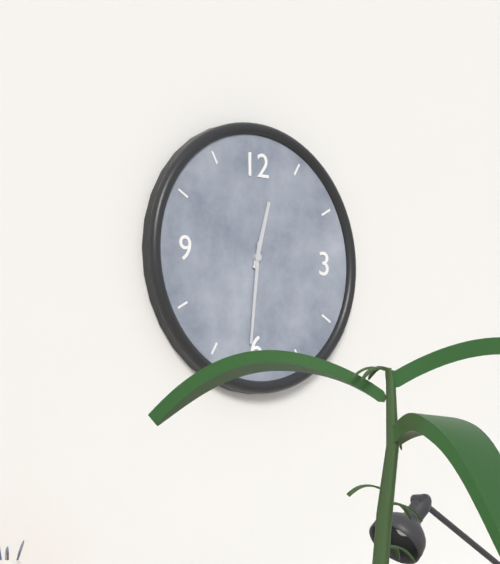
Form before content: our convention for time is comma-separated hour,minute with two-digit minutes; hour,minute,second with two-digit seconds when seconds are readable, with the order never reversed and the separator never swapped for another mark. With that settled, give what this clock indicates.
12,31
